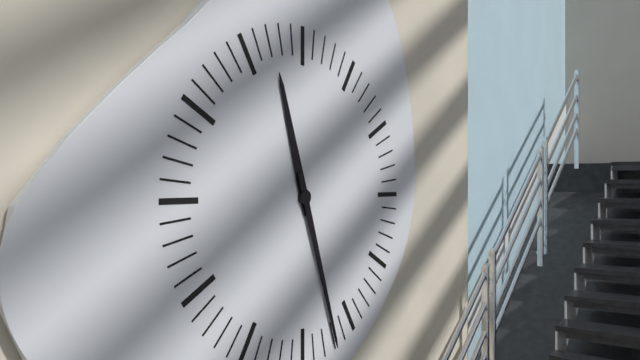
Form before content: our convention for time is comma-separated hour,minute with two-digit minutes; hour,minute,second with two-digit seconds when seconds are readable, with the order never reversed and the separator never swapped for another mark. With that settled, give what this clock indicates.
11,27
